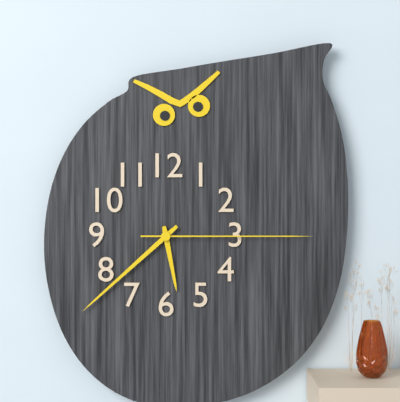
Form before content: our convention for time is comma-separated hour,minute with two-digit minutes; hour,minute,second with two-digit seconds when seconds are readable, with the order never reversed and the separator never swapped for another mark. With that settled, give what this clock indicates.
5,38,15
